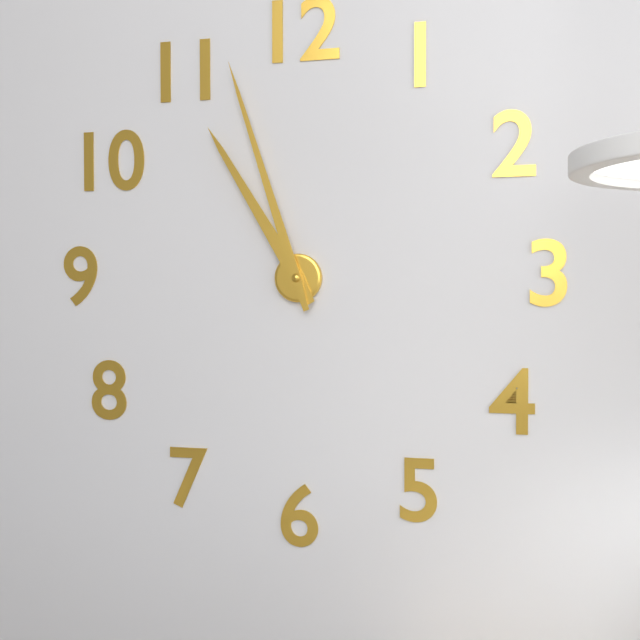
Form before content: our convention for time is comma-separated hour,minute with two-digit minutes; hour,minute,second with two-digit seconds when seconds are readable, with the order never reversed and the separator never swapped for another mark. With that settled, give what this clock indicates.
10,57
